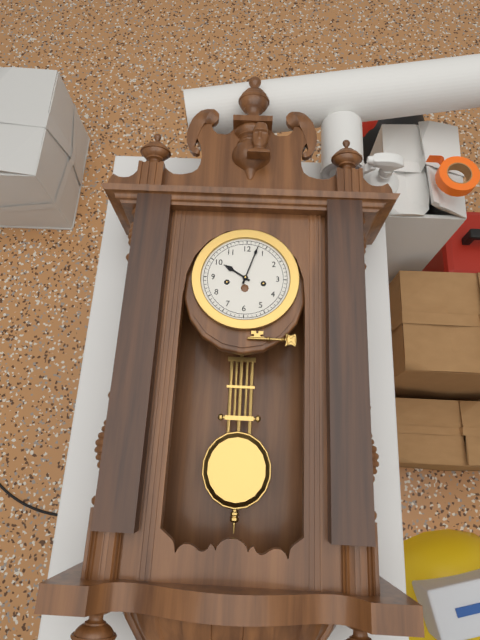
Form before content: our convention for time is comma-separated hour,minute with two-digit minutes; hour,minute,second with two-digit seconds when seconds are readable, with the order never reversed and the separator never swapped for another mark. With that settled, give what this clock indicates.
10,03
